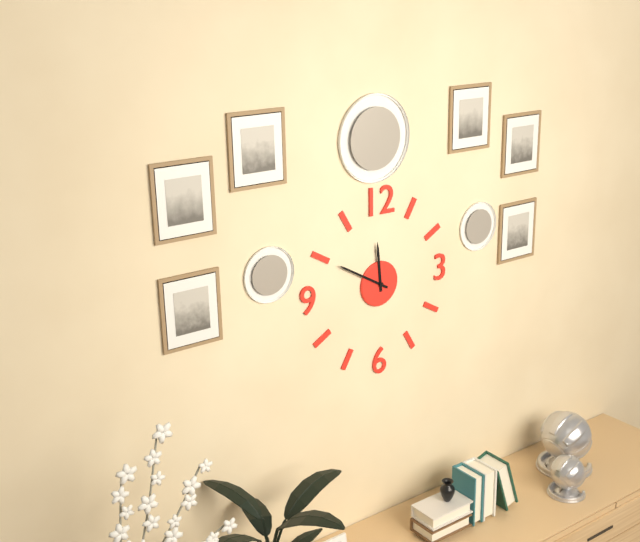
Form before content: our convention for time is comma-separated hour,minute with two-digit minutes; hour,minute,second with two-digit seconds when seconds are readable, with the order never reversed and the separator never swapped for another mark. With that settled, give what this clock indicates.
11,50
